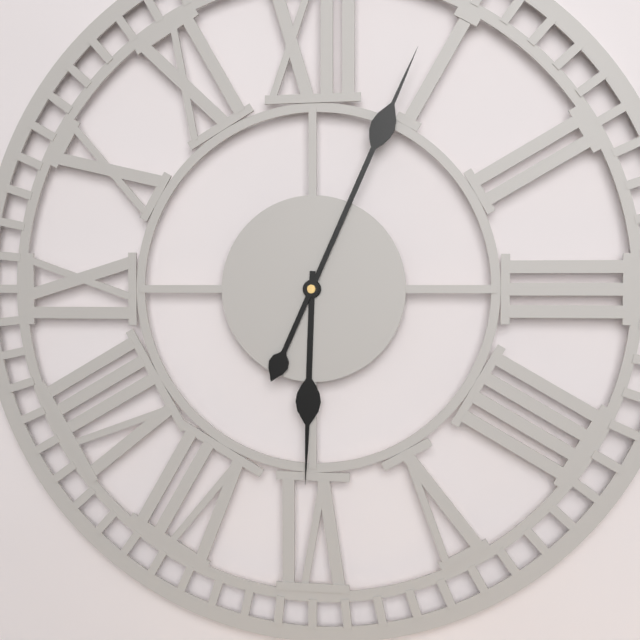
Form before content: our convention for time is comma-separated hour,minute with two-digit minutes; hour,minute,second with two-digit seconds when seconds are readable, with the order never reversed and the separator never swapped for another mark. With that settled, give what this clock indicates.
6,04
